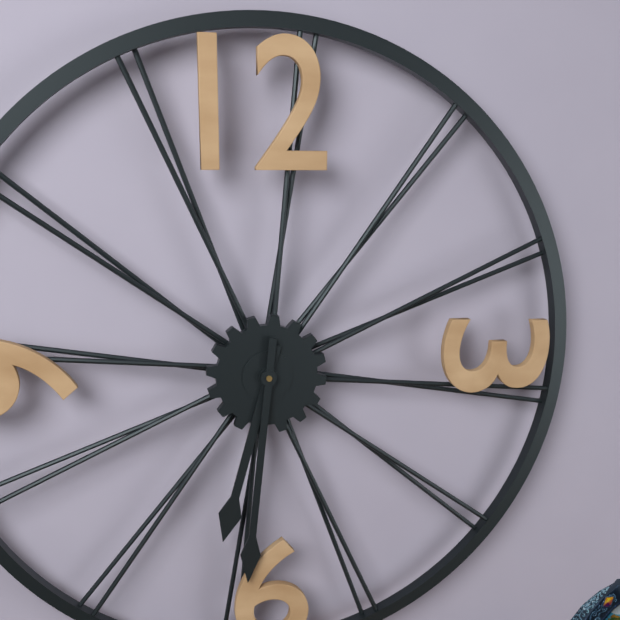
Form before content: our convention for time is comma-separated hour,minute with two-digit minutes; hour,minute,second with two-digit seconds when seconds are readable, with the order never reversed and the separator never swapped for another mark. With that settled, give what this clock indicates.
6,31
